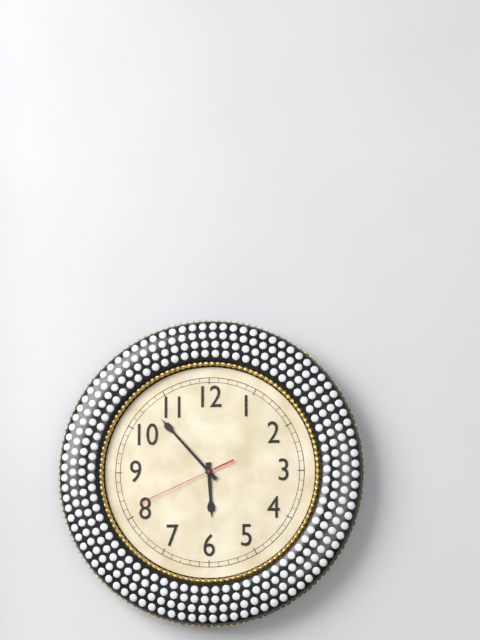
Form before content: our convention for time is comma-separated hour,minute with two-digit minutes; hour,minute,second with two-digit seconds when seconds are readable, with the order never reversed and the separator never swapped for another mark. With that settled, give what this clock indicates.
5,53,41
